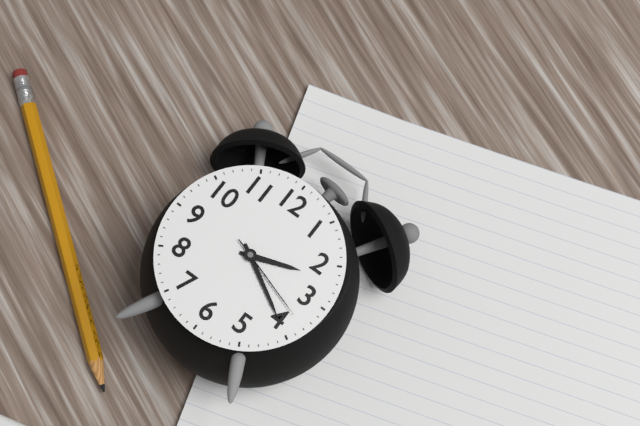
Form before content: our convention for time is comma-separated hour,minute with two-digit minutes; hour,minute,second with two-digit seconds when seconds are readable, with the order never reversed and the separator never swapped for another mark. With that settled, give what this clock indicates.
2,20,18
